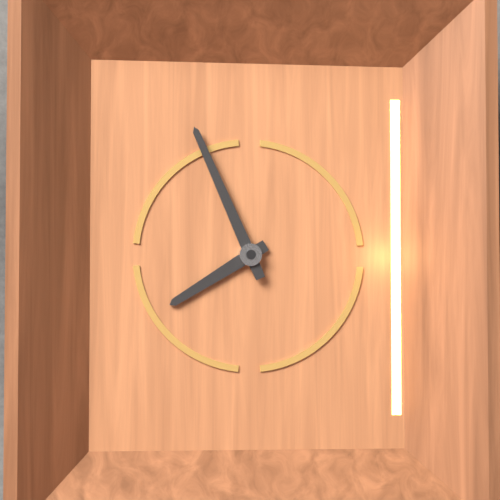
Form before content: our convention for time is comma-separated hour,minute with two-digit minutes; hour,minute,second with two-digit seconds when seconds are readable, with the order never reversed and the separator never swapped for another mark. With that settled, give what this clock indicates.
7,56
